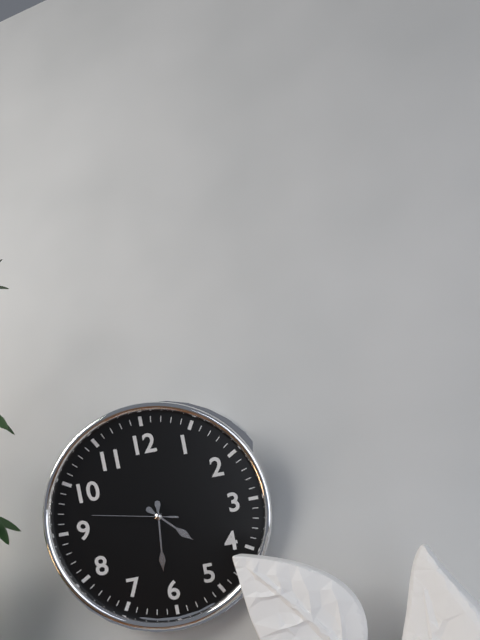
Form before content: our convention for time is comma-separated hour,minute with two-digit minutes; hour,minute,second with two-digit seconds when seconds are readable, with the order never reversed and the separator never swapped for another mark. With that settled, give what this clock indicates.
4,31,47
